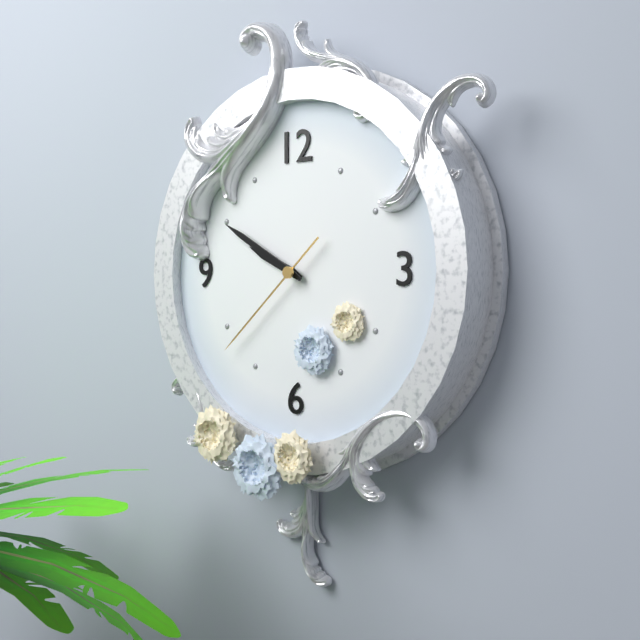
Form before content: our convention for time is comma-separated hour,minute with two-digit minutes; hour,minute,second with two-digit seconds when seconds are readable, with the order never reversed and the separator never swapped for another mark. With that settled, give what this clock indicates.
9,50,38
